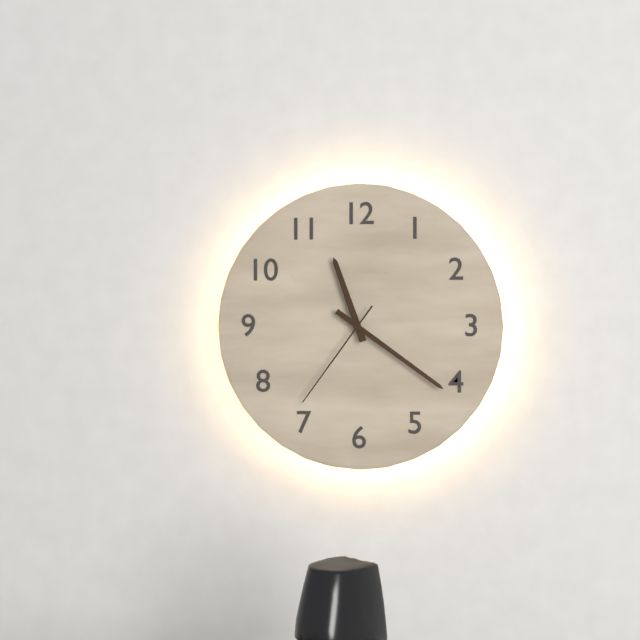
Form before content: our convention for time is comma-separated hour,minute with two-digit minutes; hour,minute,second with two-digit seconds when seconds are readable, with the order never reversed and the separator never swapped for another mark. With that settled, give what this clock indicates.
11,21,36
